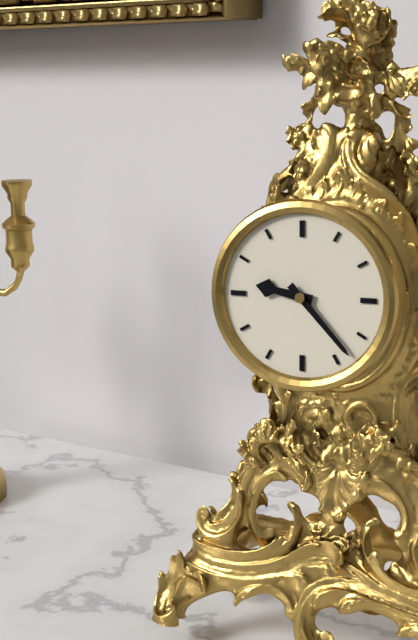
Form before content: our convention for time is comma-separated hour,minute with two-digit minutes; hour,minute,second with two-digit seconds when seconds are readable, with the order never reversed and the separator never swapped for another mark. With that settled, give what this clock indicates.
9,23
